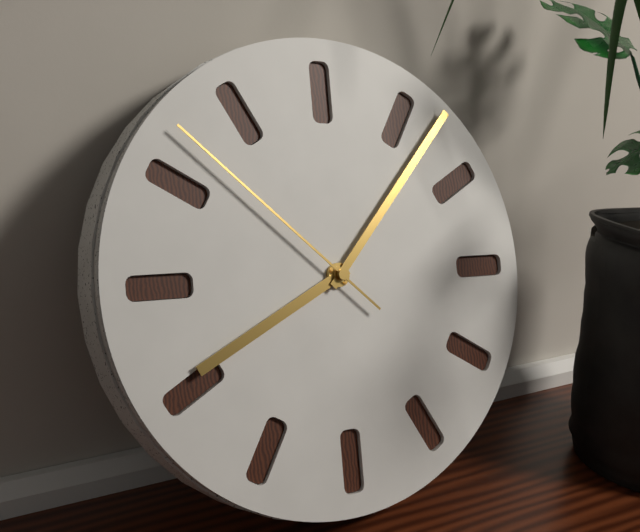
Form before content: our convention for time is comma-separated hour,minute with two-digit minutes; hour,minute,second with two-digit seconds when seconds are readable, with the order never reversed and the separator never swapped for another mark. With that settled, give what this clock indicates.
8,07,52
